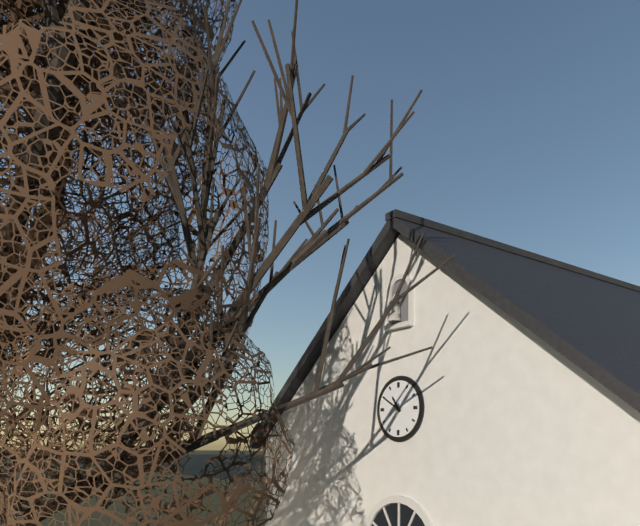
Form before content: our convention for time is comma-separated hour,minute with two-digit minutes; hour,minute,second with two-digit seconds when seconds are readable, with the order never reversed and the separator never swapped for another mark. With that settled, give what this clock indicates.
10,50
